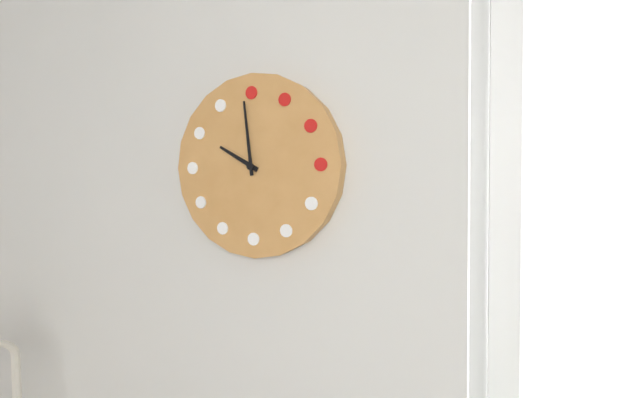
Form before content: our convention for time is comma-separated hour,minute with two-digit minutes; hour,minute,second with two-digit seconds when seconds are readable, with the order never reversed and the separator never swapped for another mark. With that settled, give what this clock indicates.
9,59
